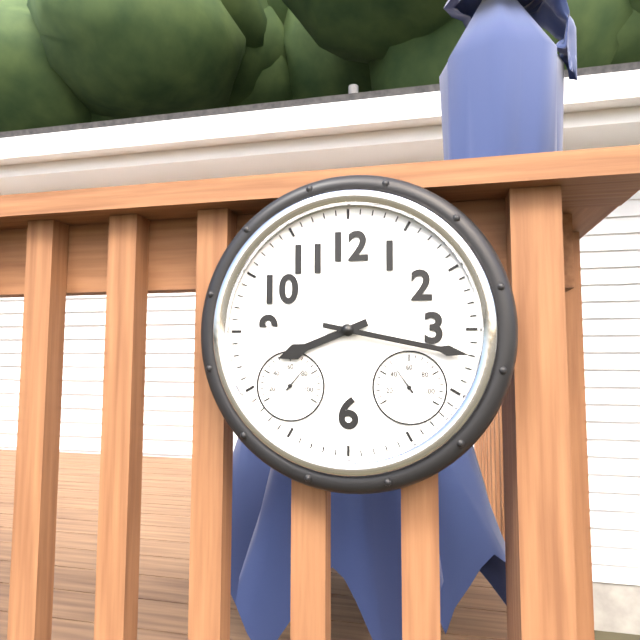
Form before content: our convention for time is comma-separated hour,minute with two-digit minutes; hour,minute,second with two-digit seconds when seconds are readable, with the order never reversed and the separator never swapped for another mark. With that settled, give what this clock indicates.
8,17
